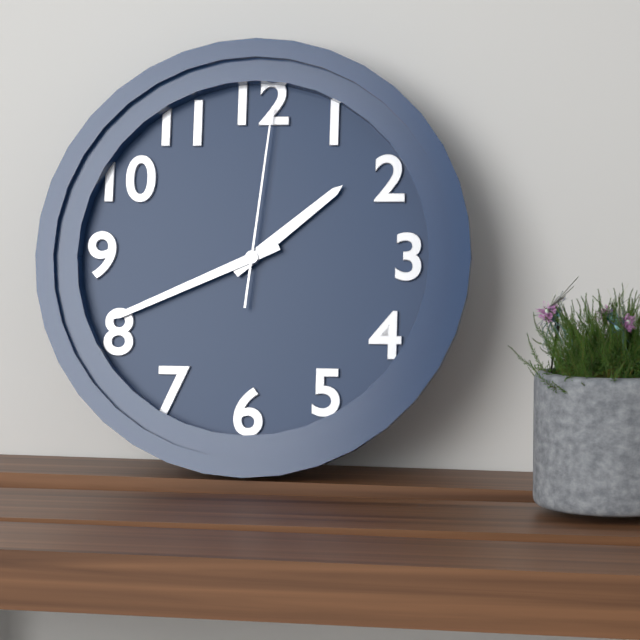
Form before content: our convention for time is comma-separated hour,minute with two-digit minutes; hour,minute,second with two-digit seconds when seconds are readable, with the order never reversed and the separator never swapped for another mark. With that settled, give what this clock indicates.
1,41,01
